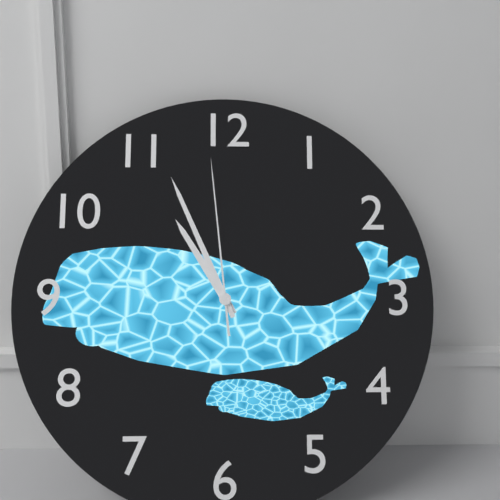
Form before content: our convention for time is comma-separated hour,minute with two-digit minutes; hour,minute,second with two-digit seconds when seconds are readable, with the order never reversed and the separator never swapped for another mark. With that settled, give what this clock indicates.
10,56,59
